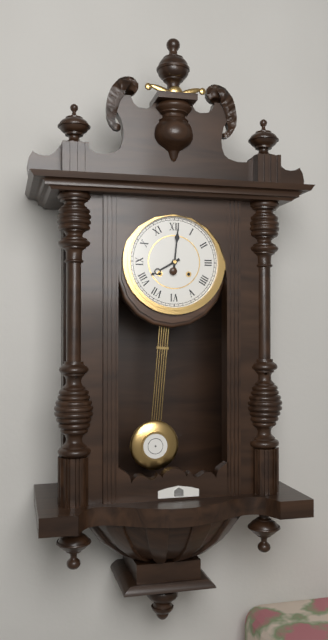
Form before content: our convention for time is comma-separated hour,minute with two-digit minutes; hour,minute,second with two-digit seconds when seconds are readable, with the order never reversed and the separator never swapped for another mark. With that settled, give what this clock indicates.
8,01
